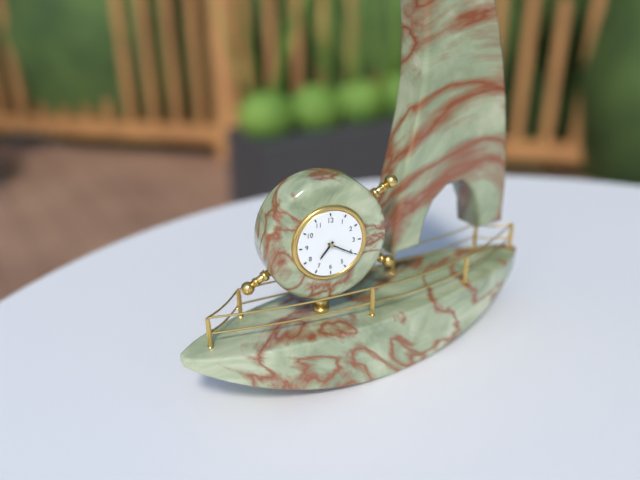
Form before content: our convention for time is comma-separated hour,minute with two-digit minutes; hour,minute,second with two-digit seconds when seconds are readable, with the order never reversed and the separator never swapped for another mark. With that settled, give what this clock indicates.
7,20
